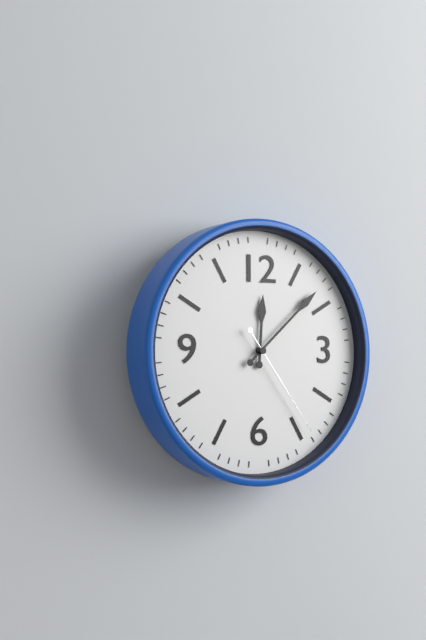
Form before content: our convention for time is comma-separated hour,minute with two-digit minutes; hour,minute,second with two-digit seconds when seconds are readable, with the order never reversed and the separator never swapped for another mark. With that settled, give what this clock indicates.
12,08,24
